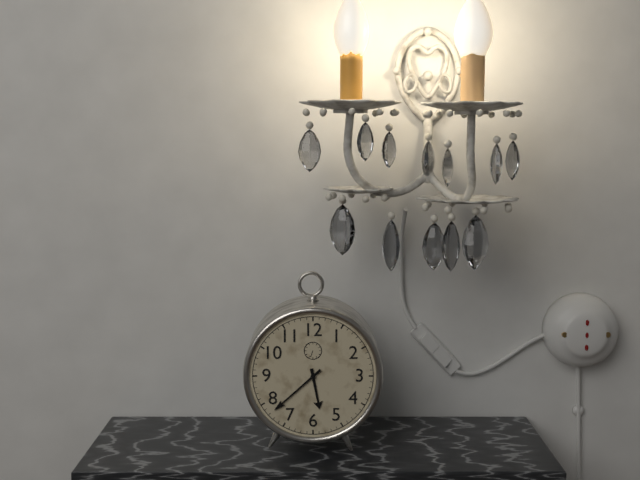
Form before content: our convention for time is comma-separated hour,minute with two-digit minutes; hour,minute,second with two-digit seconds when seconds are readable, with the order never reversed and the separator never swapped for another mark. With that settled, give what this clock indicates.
5,38
